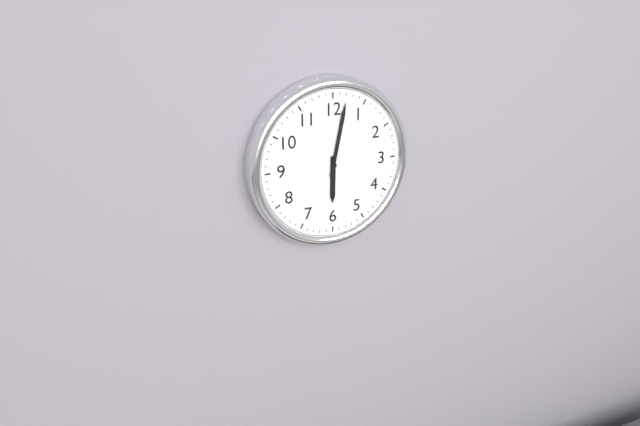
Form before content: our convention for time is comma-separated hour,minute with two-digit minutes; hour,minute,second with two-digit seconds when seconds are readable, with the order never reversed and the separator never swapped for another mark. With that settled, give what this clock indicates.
6,02
